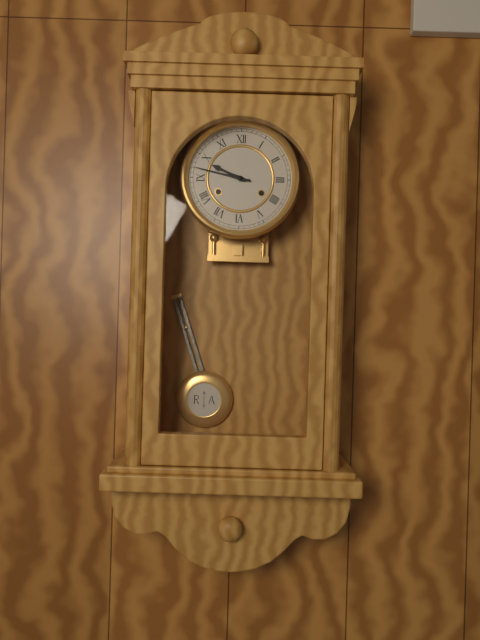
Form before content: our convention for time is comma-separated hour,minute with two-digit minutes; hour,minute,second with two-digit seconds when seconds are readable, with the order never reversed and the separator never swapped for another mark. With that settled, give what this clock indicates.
9,47
